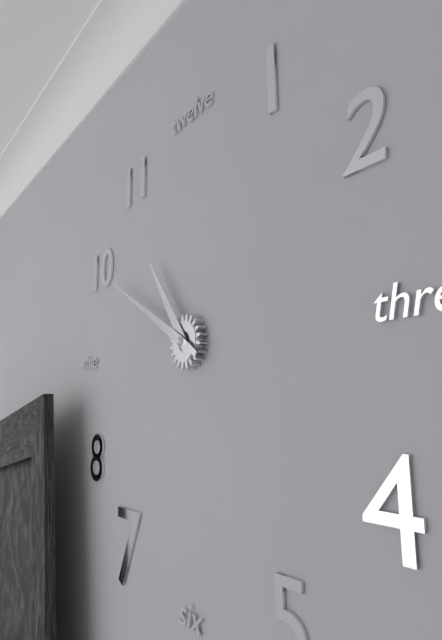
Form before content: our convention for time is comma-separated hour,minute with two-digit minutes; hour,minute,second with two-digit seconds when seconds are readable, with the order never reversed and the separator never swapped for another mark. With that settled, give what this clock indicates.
10,50
